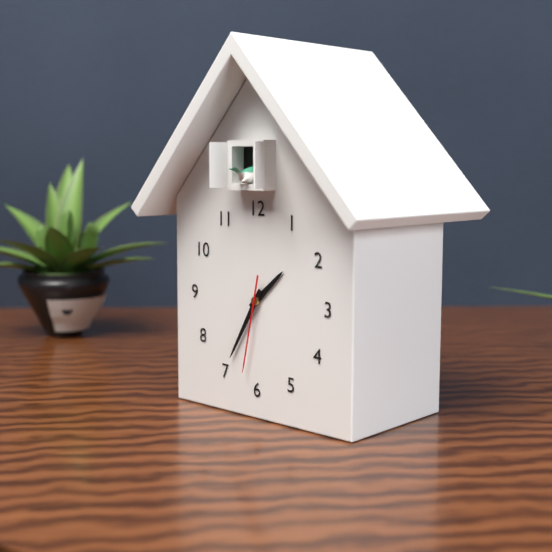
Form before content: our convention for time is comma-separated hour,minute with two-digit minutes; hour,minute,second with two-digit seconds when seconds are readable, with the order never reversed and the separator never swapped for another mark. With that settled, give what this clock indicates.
1,35,32
